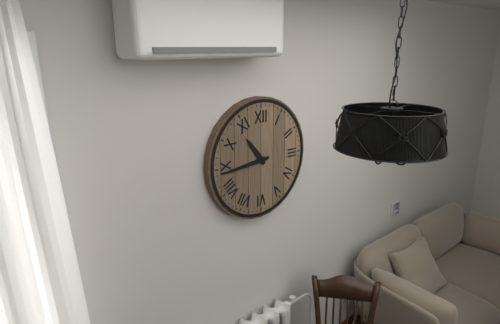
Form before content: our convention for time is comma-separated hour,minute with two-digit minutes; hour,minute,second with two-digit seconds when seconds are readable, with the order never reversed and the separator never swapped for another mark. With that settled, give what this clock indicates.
10,44
